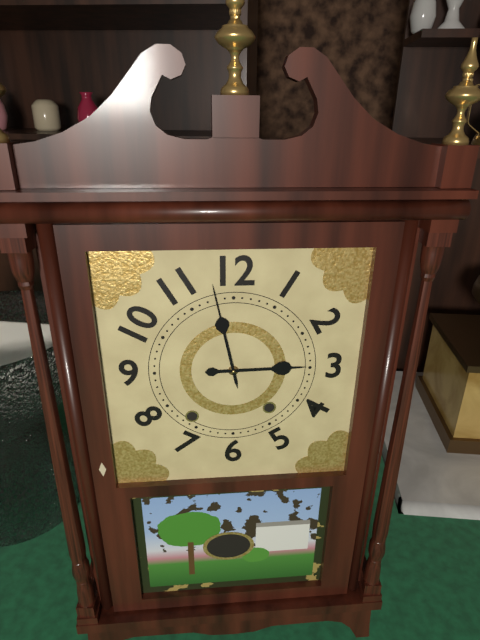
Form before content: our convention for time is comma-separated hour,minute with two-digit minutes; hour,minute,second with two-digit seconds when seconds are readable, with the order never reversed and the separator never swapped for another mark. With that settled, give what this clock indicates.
2,58
